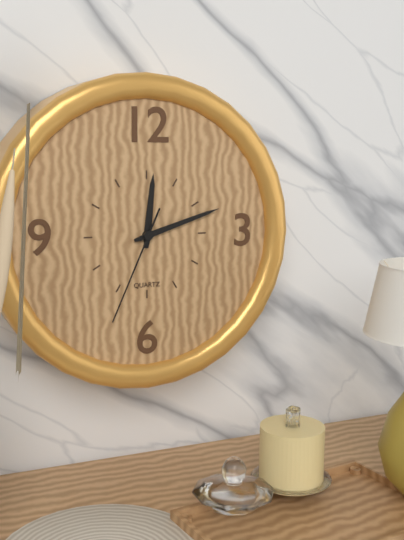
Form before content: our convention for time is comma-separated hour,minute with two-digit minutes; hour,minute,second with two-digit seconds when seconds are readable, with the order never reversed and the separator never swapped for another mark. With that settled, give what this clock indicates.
12,12,34
